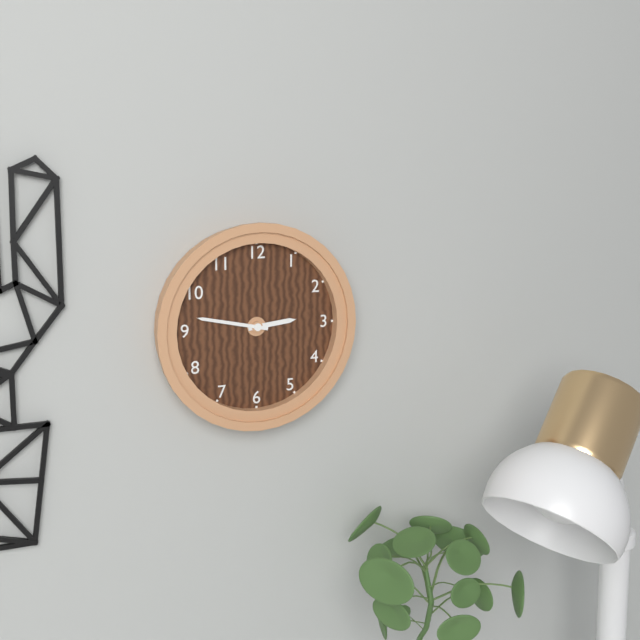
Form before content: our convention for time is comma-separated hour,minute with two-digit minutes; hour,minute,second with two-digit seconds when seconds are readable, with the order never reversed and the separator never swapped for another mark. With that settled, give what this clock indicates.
2,47
